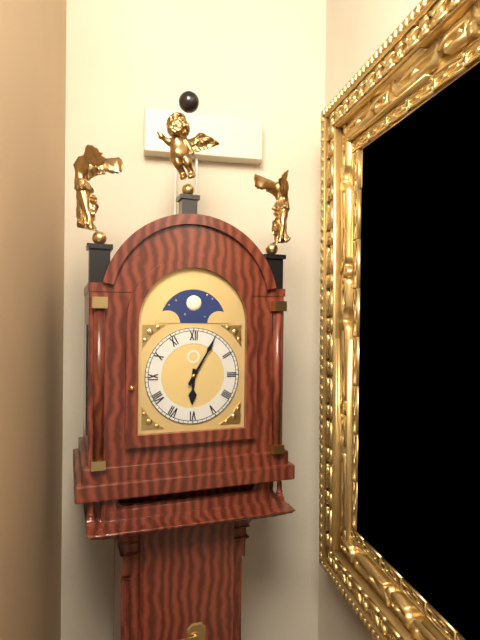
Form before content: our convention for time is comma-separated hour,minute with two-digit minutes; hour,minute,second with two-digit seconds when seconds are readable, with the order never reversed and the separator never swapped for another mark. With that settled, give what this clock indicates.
6,05
